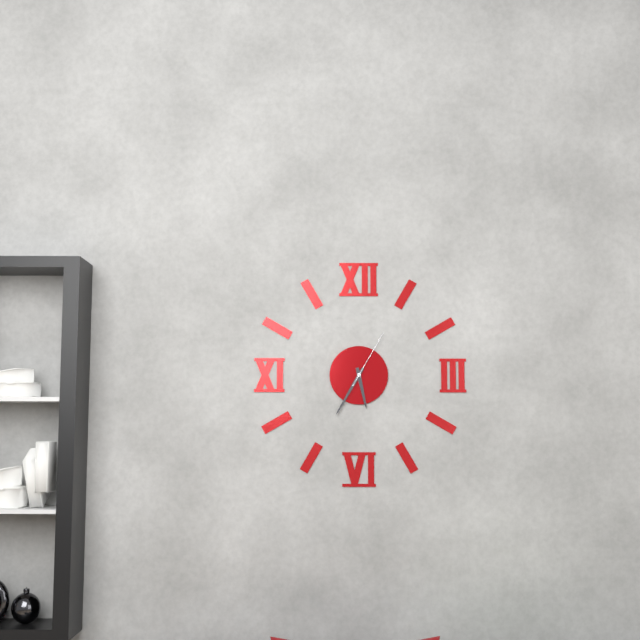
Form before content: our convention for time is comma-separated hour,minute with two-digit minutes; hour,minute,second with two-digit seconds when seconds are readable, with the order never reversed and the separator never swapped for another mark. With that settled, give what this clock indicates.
5,35,05
